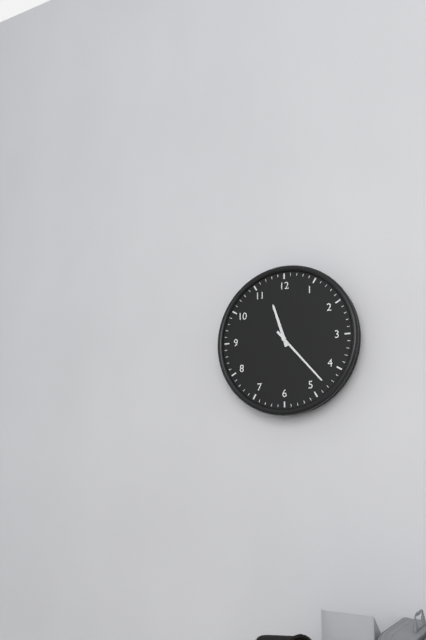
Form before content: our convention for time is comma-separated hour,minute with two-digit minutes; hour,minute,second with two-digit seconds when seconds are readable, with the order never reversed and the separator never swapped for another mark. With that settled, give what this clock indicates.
11,23
